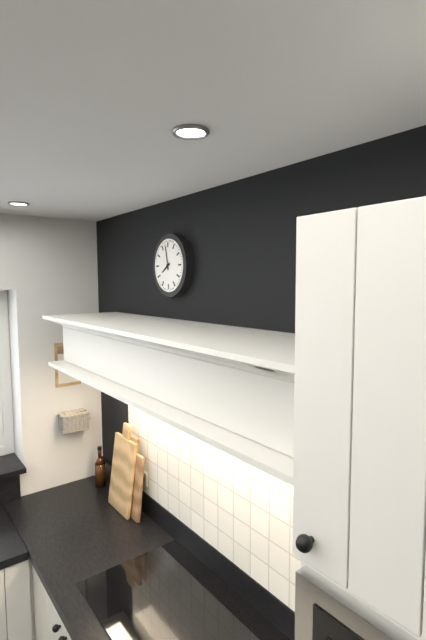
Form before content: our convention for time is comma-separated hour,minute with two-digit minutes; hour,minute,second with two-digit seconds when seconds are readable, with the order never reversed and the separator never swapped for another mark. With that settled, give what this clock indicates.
7,58
